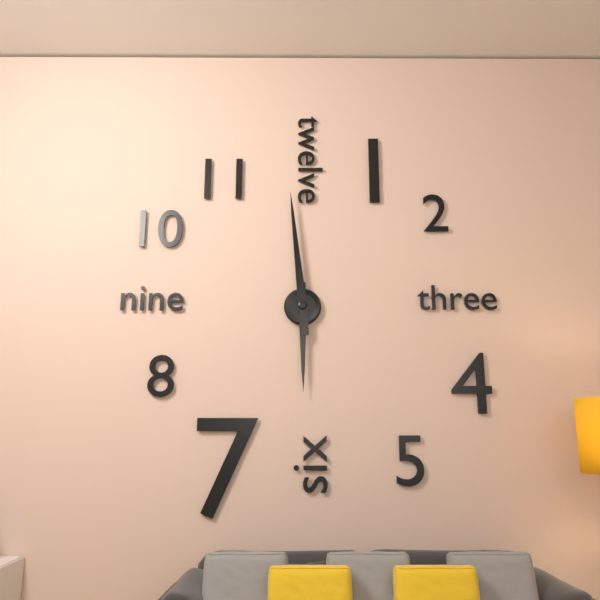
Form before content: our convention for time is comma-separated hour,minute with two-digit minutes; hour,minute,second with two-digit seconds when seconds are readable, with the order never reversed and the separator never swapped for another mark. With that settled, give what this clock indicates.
5,59
